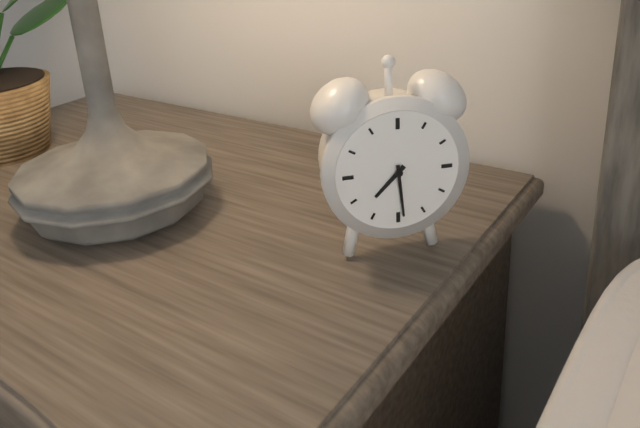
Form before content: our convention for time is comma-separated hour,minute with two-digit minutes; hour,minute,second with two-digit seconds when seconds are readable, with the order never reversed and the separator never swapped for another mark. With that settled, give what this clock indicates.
7,29
